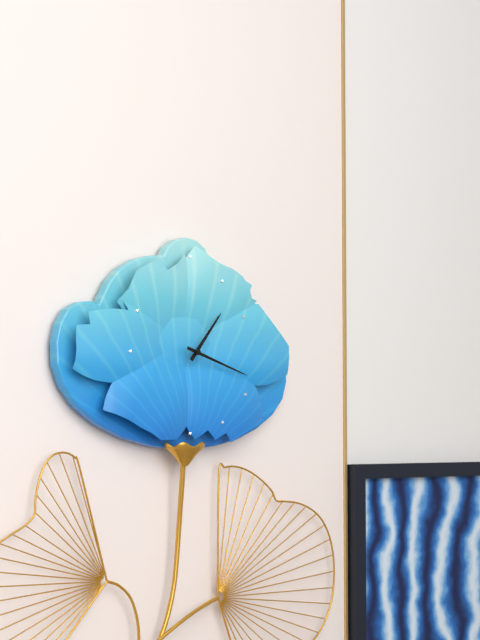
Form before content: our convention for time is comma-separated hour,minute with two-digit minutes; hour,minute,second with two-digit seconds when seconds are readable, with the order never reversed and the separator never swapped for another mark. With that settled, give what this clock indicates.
1,18
